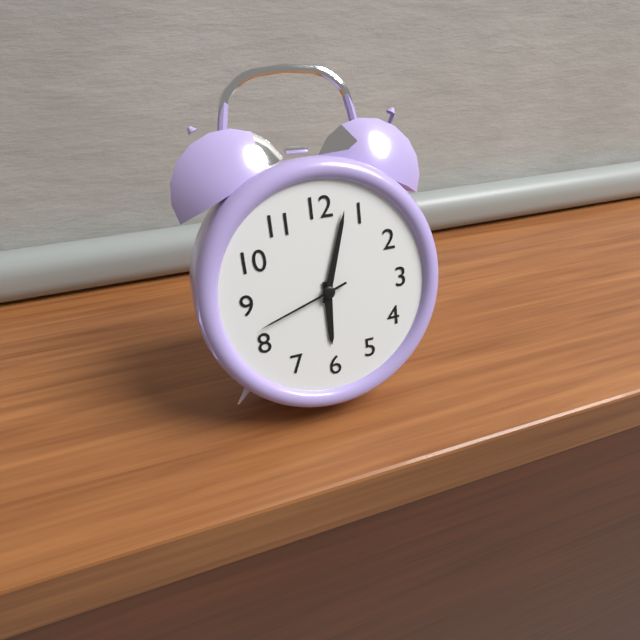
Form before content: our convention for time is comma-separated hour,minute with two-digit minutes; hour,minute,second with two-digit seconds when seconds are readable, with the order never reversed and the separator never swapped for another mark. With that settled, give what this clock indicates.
6,03,42
